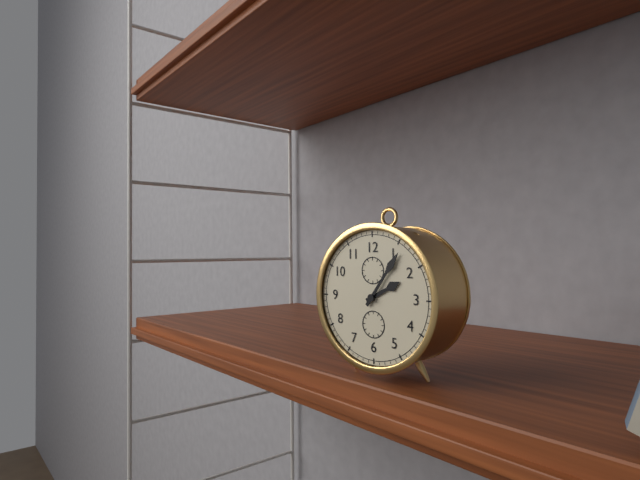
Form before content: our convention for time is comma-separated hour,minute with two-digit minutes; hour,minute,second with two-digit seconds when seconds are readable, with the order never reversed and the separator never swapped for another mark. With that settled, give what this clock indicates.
2,06
